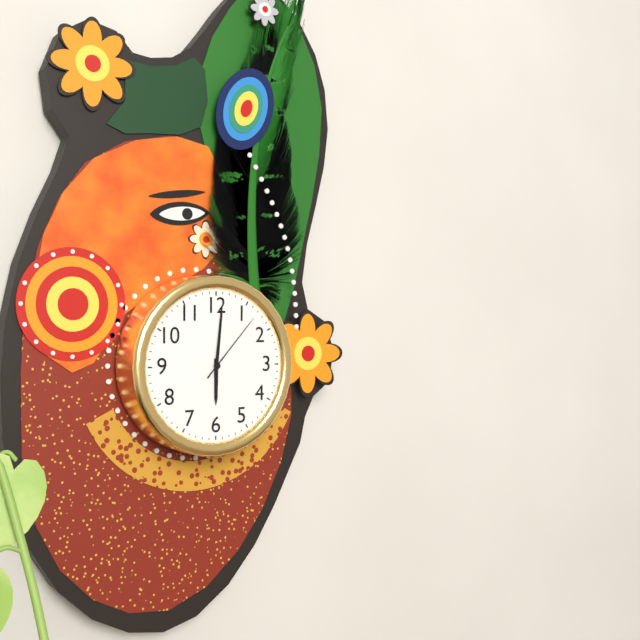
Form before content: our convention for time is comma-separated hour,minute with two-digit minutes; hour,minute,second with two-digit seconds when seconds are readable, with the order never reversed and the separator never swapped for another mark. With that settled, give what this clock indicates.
6,01,07
